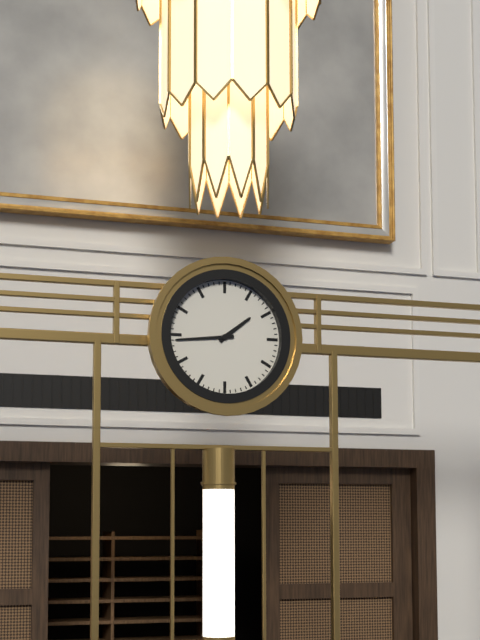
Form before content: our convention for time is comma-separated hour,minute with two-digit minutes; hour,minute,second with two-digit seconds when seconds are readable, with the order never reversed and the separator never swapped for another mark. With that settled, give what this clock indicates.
1,44
